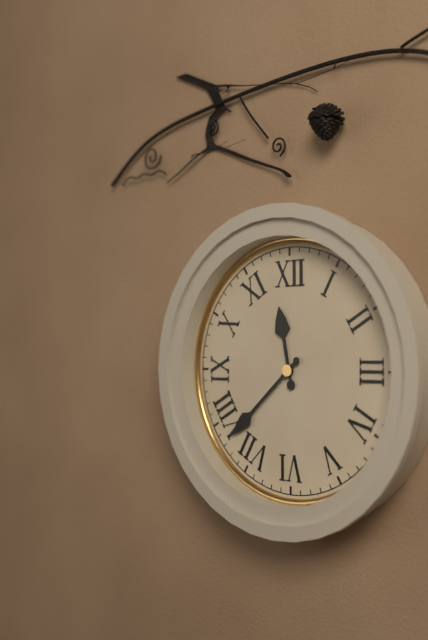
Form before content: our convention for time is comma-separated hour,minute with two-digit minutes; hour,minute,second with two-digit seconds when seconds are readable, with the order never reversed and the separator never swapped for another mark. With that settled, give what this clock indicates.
11,38
